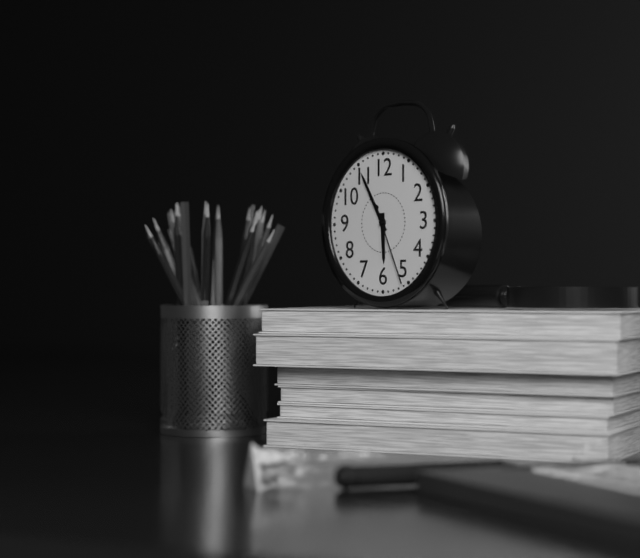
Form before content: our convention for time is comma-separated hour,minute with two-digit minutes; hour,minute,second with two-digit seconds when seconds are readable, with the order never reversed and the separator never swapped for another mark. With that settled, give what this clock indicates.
5,55,26
